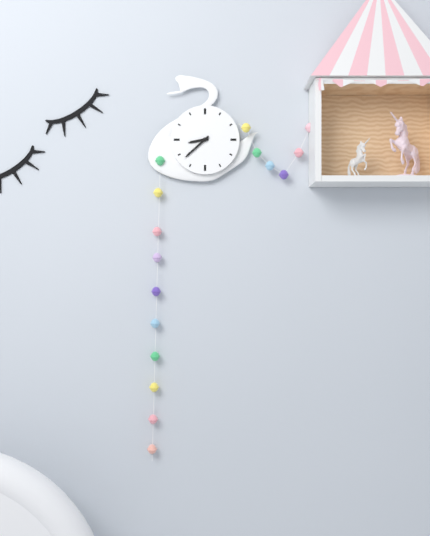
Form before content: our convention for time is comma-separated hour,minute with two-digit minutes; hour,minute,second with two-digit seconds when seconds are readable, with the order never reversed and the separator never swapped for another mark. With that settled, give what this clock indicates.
8,38
